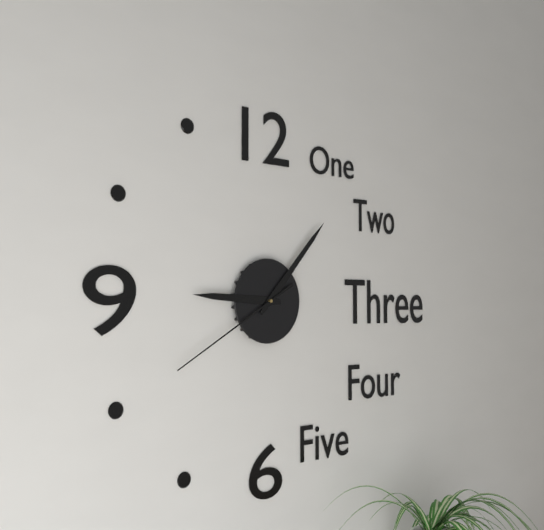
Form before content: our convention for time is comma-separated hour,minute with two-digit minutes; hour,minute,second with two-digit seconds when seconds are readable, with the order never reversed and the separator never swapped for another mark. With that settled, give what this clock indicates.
9,07,40
